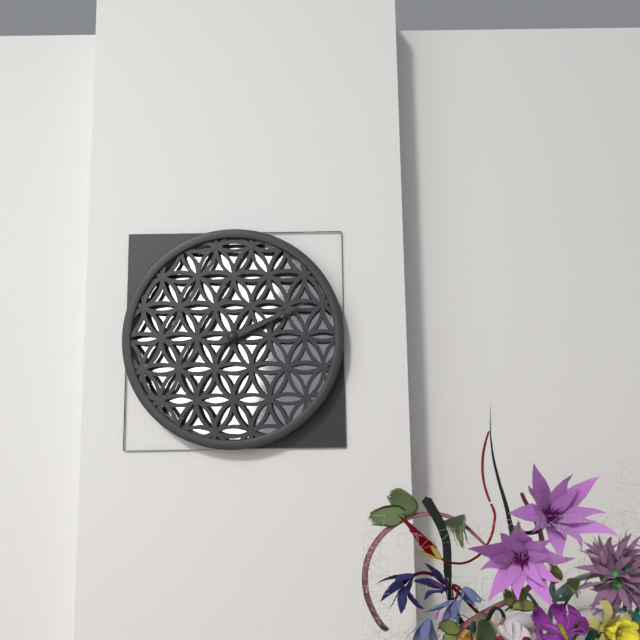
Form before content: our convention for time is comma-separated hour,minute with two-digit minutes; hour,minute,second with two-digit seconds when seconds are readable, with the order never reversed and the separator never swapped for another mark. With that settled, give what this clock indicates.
2,11
